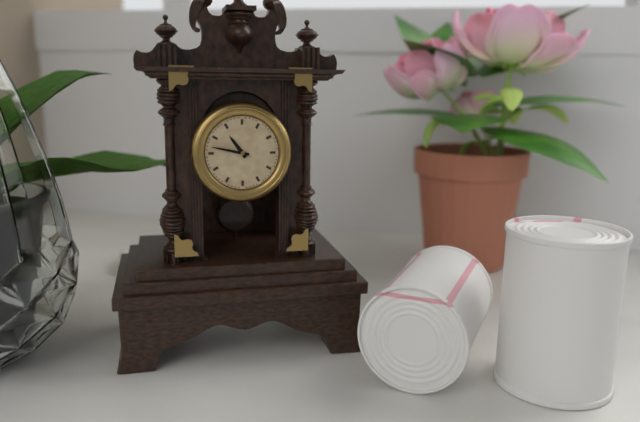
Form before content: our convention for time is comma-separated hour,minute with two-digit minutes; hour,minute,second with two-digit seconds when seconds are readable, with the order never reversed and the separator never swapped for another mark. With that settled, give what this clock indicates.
10,47
